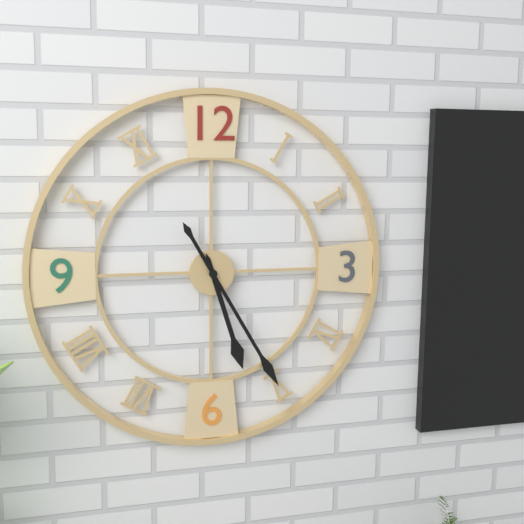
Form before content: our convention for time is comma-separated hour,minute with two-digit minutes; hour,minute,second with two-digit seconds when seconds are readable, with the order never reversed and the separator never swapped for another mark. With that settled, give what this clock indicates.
5,25
